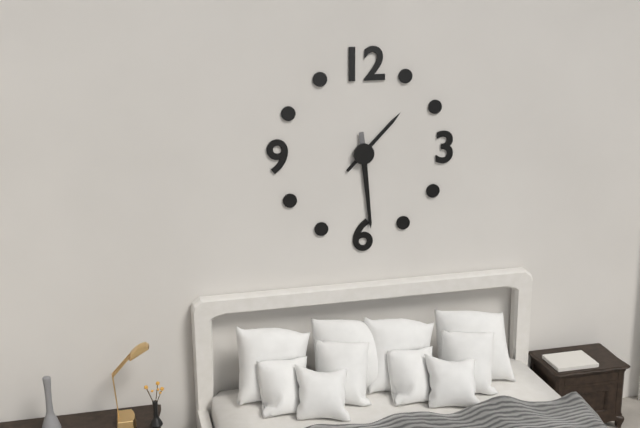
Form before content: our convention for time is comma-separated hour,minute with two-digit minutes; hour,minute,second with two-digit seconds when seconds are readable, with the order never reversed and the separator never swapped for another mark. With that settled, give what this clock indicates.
1,29
